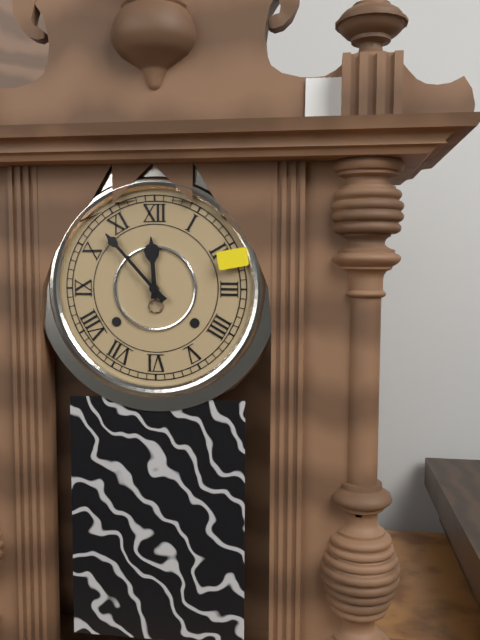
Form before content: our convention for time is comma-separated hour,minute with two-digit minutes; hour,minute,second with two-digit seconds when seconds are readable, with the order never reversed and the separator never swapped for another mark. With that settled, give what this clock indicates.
11,53
